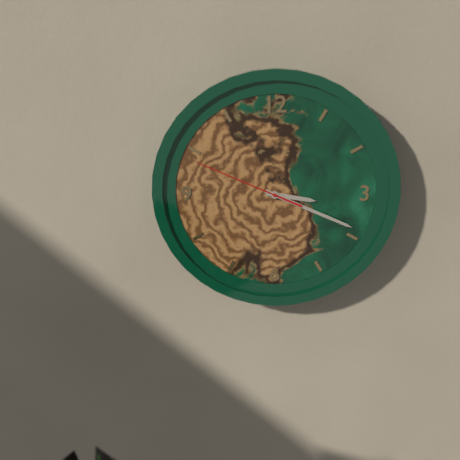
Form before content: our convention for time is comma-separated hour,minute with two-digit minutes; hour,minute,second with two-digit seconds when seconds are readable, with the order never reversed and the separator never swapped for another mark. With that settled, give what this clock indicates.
3,19,49
